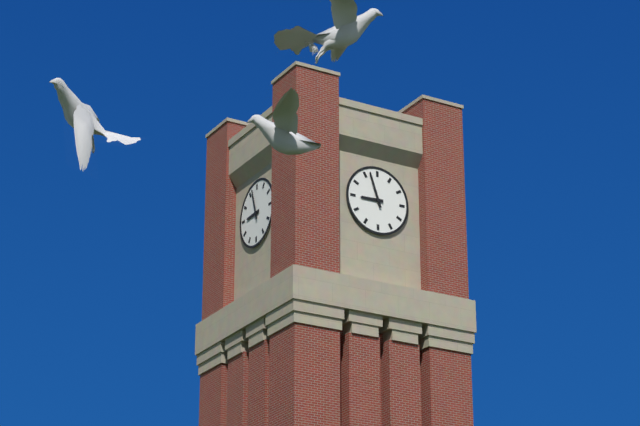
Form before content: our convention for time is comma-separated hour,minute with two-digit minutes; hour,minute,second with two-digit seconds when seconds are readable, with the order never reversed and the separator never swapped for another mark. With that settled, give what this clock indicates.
8,57
